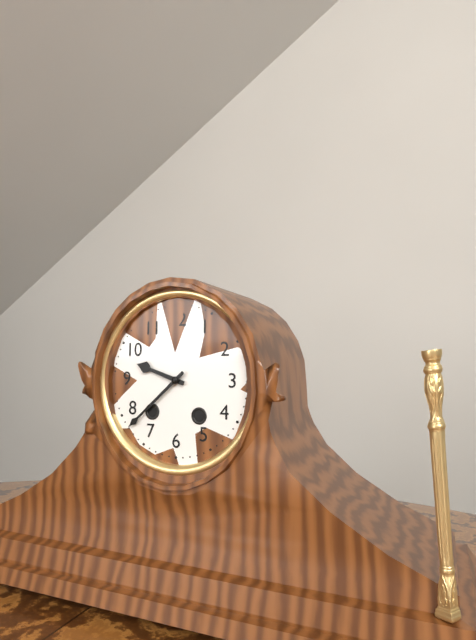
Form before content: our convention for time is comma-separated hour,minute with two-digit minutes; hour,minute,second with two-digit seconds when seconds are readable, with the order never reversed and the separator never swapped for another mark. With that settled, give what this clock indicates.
9,38
